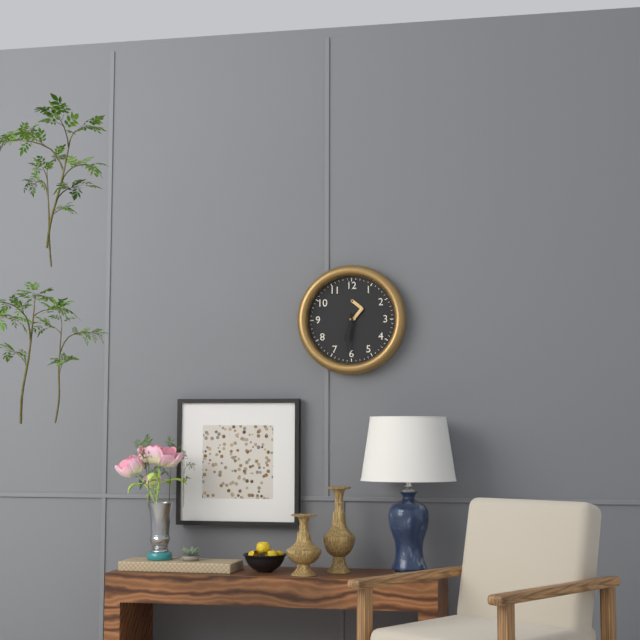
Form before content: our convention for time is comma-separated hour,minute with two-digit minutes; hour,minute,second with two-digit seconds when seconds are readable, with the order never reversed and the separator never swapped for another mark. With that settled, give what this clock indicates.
6,31
